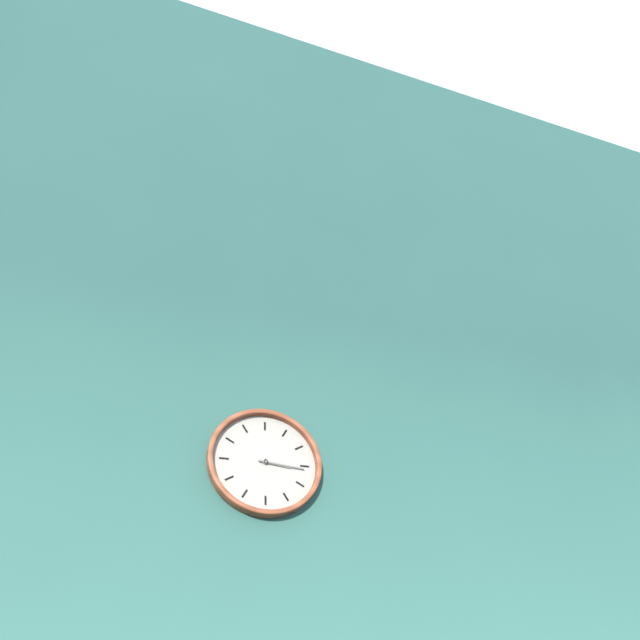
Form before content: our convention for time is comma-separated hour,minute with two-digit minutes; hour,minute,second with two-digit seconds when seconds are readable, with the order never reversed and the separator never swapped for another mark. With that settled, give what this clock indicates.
3,16
